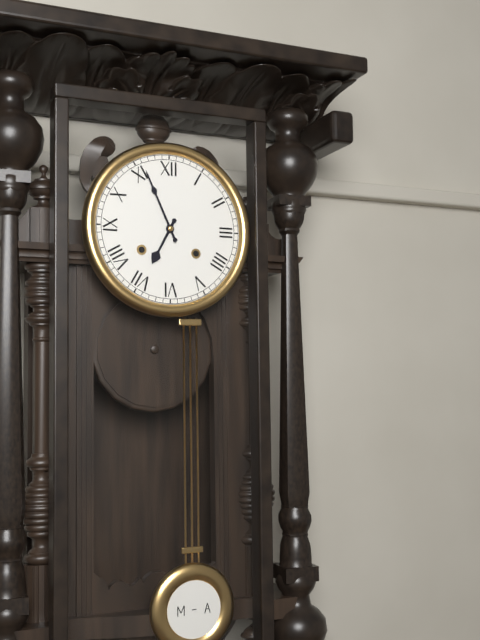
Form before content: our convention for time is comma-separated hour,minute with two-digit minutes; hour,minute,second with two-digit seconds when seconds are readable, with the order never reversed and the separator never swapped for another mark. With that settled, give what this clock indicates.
6,56
